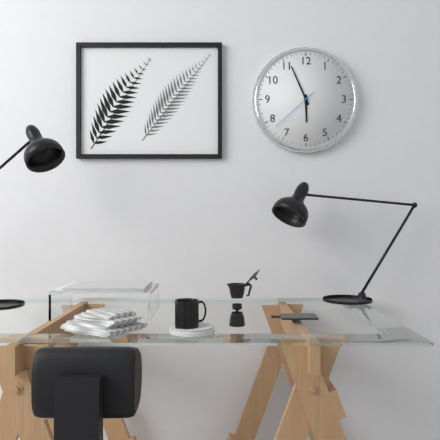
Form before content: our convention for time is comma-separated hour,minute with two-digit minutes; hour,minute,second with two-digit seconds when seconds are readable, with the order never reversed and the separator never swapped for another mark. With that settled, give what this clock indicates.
5,56,38
